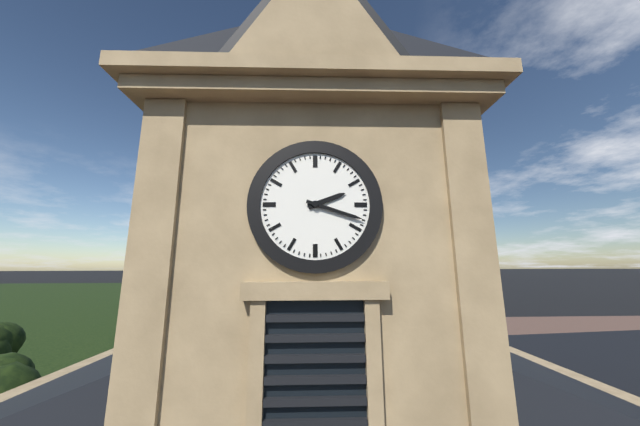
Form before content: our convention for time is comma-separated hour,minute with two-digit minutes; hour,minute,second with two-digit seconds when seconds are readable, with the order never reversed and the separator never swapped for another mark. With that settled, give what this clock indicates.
2,18
